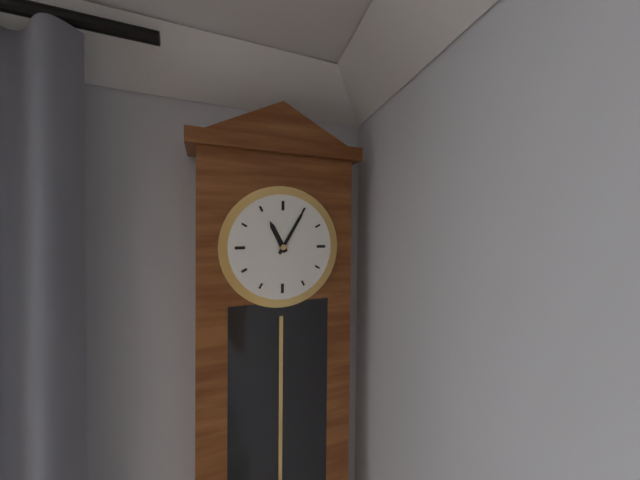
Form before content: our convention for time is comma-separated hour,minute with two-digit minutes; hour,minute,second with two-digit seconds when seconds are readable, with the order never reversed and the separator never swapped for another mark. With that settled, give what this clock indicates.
11,05
